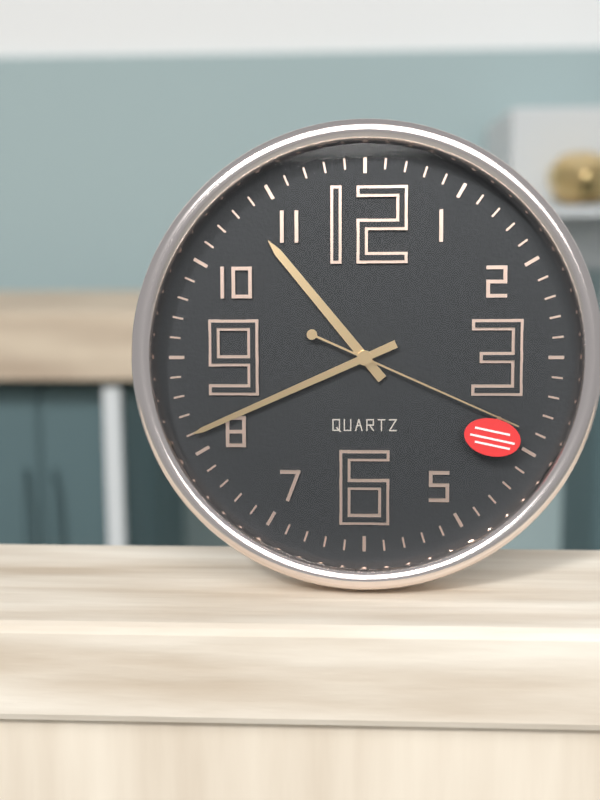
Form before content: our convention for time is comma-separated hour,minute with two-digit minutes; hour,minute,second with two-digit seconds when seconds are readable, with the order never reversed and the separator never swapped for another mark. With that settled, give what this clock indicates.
10,41,19
